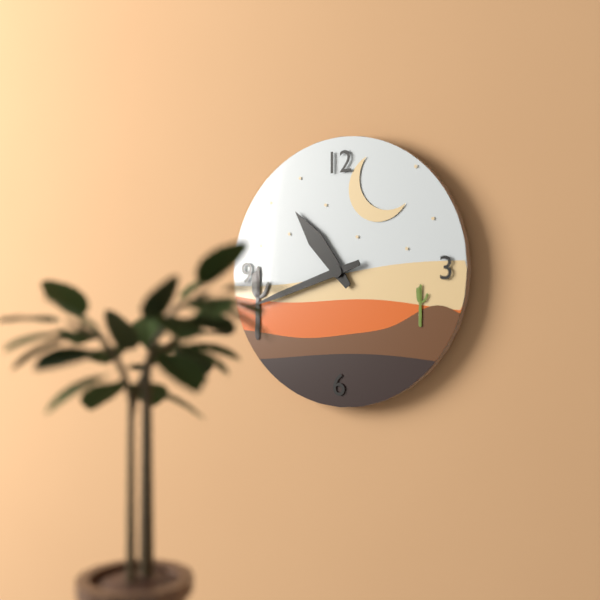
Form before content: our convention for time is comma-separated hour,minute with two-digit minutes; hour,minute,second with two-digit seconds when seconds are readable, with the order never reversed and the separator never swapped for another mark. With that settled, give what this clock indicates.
10,42
